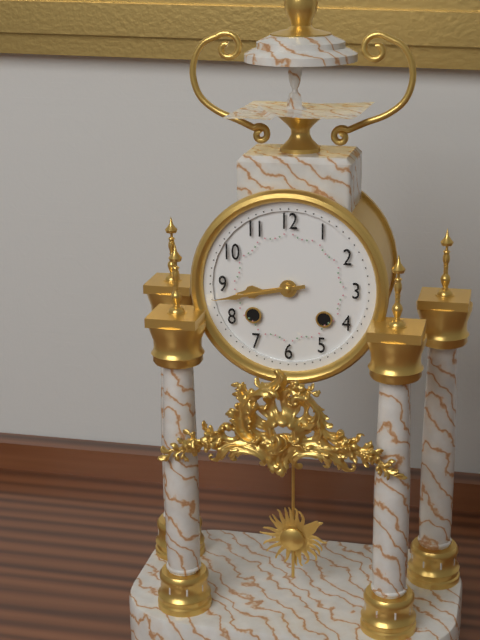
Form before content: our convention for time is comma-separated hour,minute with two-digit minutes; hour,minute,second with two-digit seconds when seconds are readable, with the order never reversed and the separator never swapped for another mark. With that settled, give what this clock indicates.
8,43
